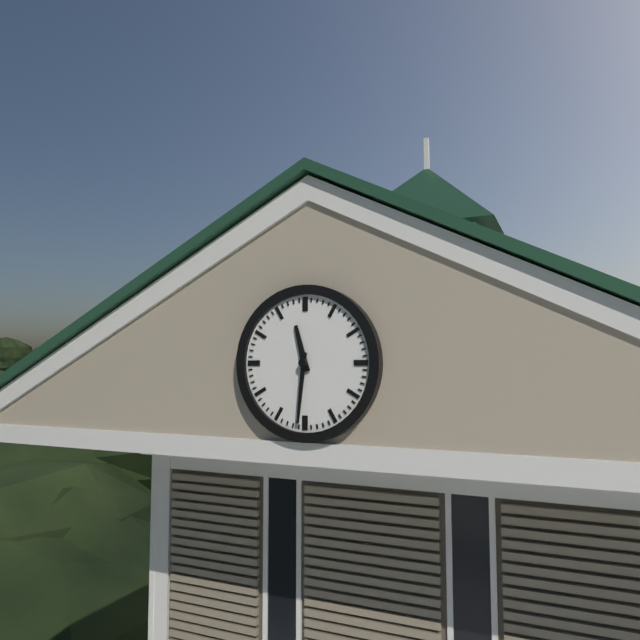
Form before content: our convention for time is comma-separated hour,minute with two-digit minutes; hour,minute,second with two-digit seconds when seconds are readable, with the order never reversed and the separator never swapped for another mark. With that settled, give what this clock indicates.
11,31
